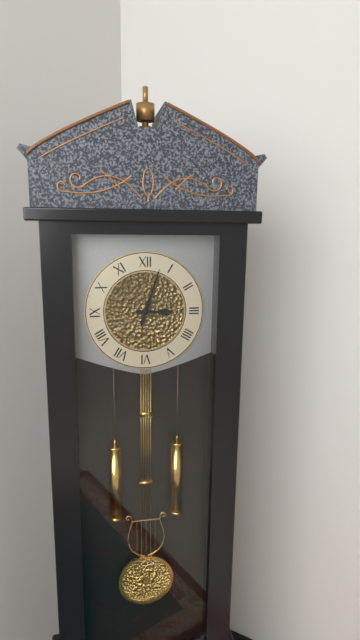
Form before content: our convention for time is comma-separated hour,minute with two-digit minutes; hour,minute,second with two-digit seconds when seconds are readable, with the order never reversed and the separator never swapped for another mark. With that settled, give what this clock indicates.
3,03
